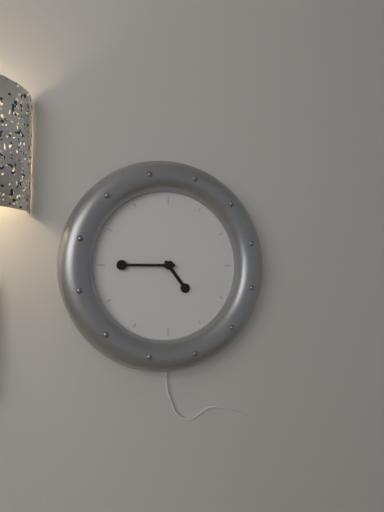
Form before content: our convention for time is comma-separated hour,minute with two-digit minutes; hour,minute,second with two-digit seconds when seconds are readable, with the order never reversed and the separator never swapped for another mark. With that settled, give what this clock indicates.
4,45
